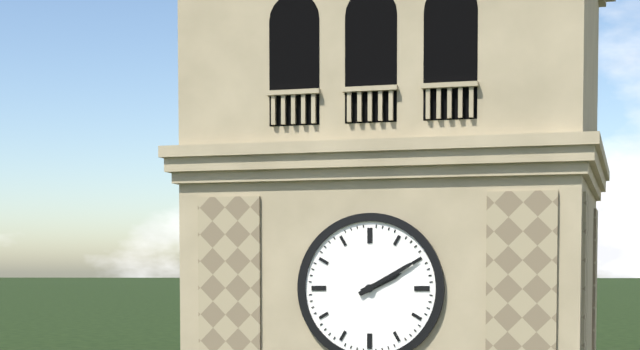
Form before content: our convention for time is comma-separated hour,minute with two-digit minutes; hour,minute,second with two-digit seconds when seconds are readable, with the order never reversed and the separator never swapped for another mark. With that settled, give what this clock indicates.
2,10
